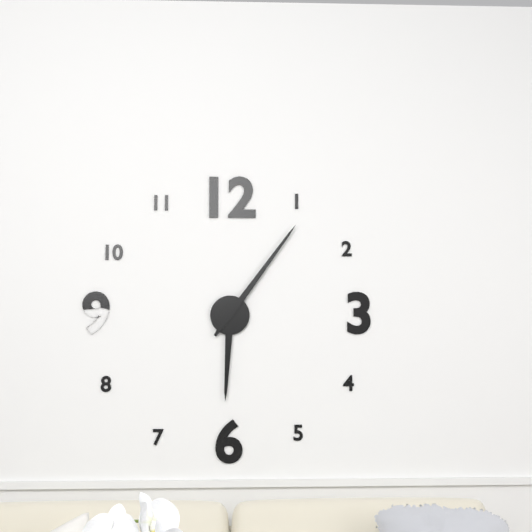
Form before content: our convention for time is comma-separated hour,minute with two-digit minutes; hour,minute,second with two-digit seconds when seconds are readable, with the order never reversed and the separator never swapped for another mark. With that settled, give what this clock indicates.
6,06
